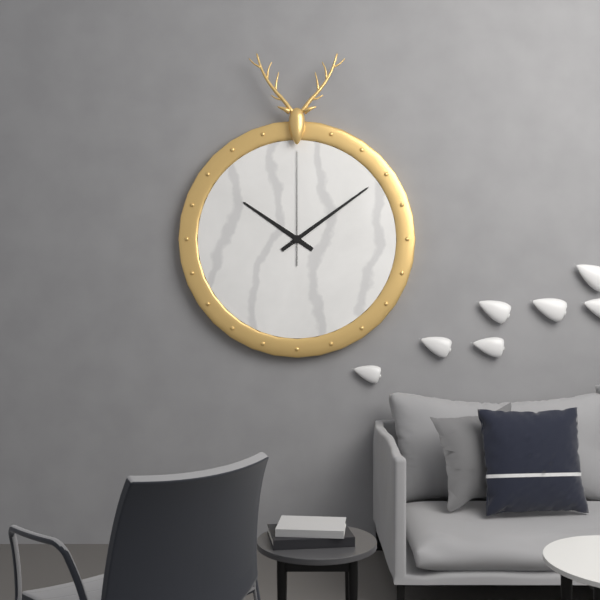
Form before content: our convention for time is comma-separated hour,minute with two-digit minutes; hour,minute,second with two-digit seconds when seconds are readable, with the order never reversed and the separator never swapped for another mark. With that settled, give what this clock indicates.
10,09,00
